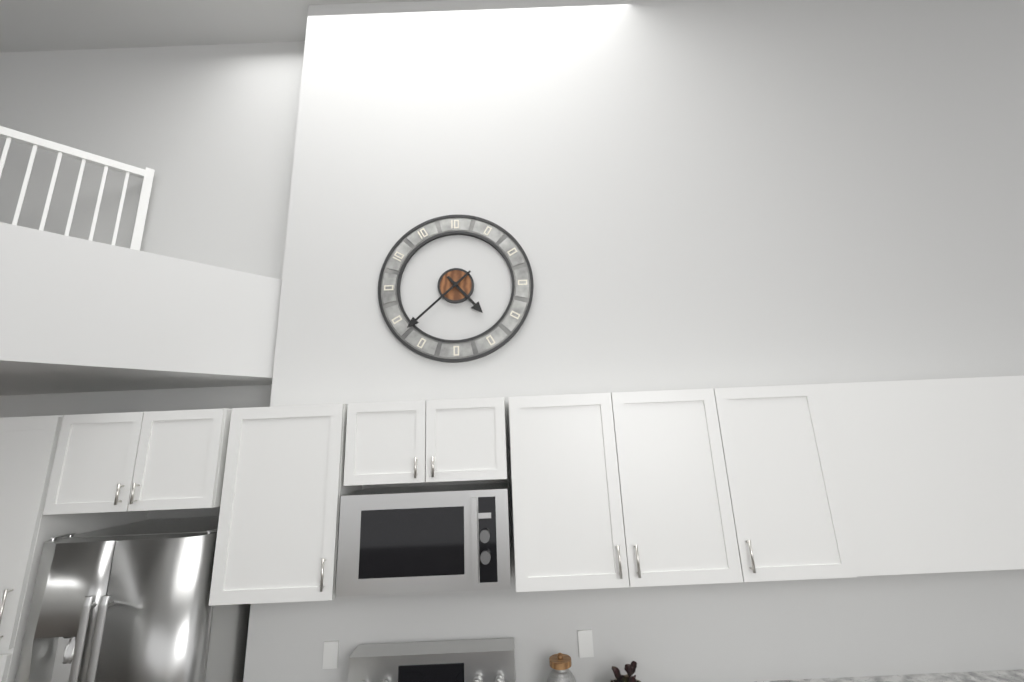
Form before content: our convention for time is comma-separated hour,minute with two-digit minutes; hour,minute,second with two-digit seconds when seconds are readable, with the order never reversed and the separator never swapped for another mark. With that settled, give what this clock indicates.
4,38
